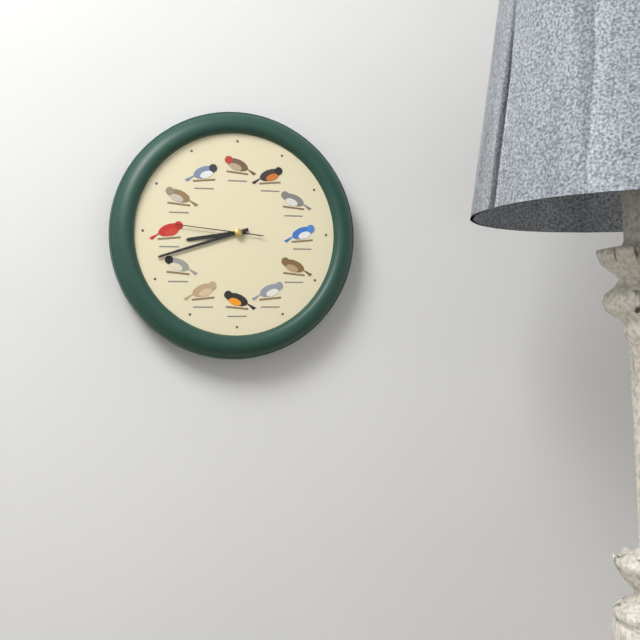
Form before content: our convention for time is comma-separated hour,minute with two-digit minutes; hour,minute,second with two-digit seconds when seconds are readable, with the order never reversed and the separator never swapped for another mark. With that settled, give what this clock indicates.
8,42,46
